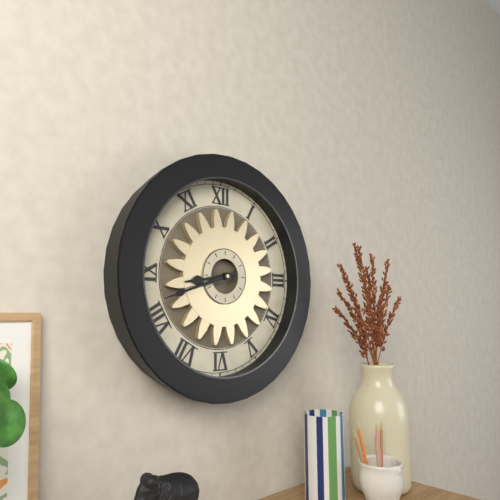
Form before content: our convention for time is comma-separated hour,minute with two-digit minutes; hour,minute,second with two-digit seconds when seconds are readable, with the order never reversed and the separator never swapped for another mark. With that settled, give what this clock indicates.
8,42
